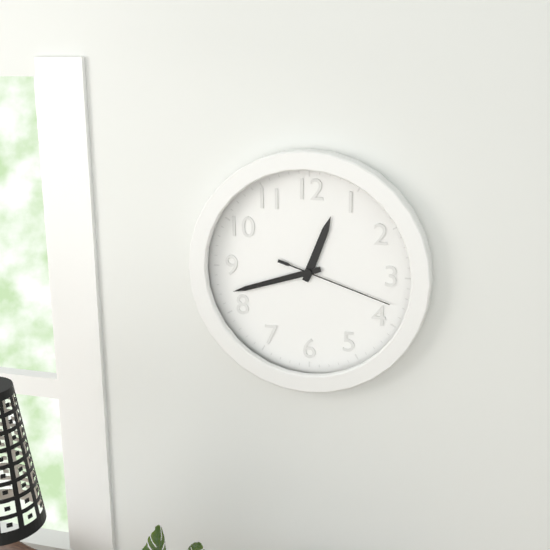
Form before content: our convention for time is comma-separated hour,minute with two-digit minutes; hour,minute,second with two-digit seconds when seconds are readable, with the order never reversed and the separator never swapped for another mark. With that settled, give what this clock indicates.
12,42,18
